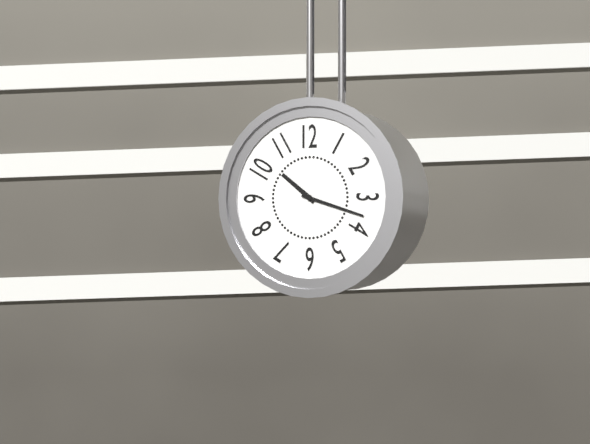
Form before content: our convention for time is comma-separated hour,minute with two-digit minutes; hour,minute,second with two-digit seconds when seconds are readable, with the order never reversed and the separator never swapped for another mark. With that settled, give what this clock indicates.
10,18
